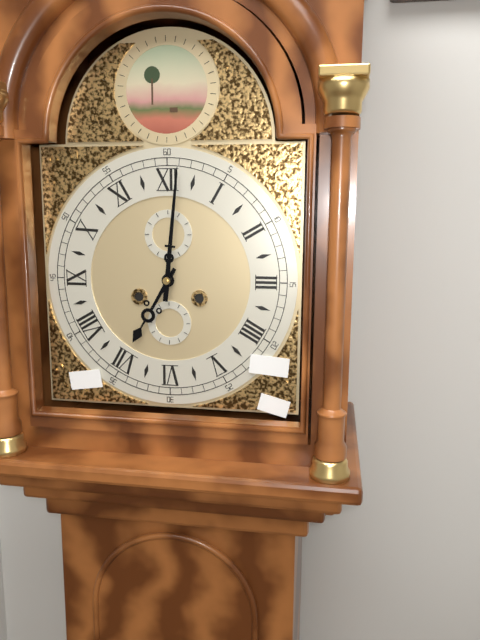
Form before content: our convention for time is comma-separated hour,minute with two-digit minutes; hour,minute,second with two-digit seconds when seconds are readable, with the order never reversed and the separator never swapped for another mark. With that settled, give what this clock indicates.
7,01
